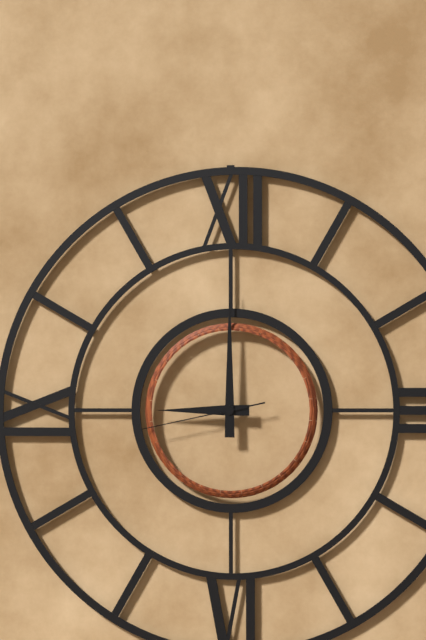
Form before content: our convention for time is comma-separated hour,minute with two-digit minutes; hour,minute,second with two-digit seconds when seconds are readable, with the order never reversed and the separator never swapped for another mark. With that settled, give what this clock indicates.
9,00,43
